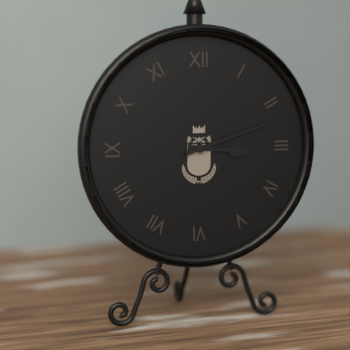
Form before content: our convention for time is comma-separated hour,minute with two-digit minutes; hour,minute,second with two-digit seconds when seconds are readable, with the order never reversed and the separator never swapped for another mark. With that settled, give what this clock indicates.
3,12
